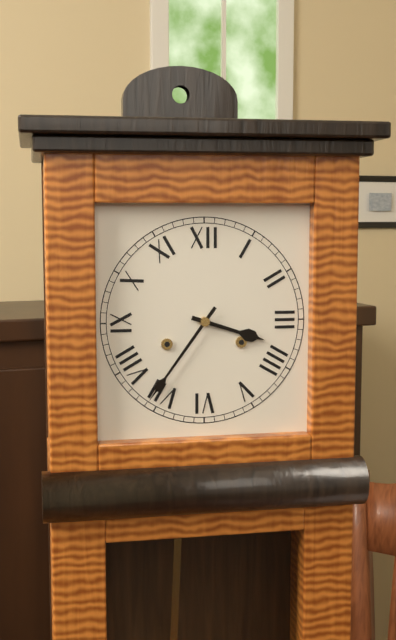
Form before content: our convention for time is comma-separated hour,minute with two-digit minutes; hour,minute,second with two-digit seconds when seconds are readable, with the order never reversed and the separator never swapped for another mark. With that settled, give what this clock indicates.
3,36
